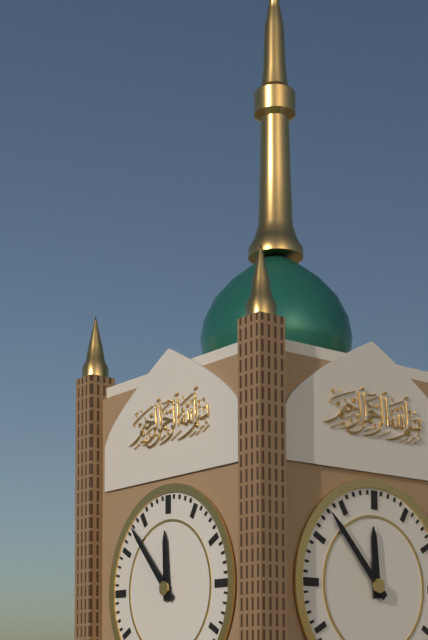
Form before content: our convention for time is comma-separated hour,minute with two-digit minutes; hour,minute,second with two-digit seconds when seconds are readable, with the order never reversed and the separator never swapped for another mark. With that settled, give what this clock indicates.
11,53
